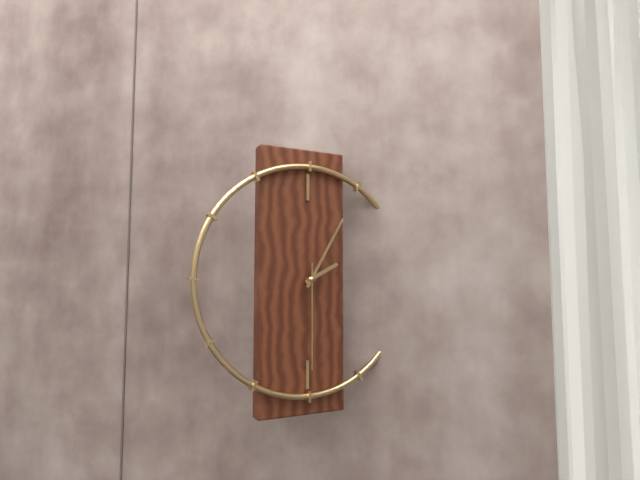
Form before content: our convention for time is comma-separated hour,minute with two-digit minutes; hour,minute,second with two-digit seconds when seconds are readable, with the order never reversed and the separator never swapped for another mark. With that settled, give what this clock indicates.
2,05,30
